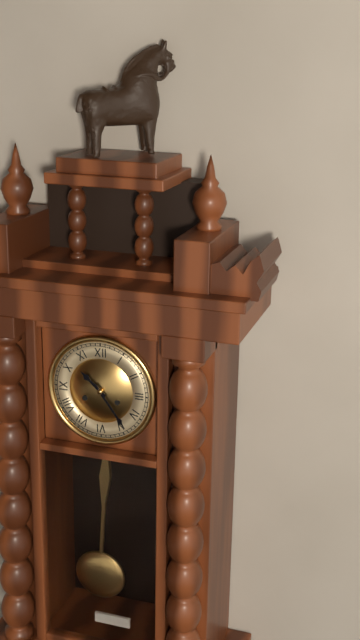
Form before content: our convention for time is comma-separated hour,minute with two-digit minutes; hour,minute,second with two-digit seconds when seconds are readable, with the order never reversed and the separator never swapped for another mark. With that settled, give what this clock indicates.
10,24
